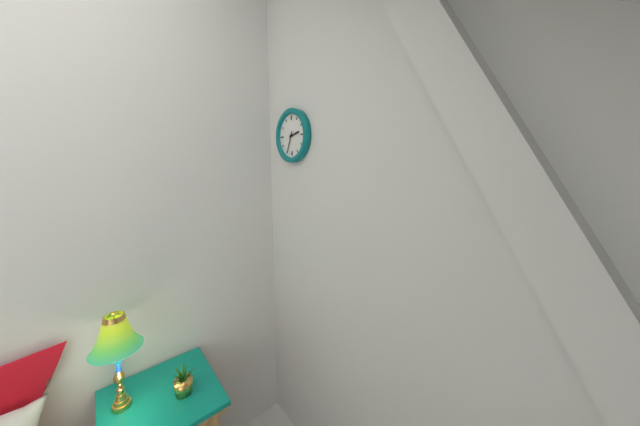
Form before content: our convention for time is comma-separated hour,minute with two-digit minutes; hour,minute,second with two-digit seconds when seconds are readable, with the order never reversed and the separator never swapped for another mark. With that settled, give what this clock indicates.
2,34
